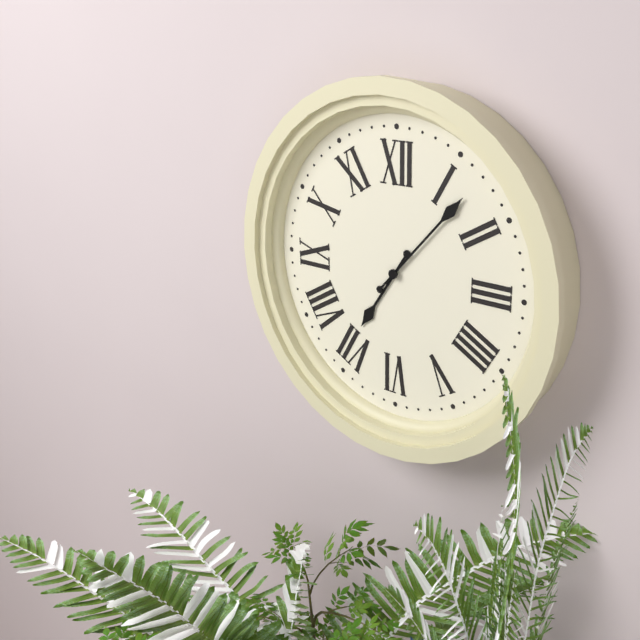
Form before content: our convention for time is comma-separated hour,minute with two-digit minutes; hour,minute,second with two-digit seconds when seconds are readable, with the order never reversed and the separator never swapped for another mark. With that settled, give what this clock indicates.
7,07
